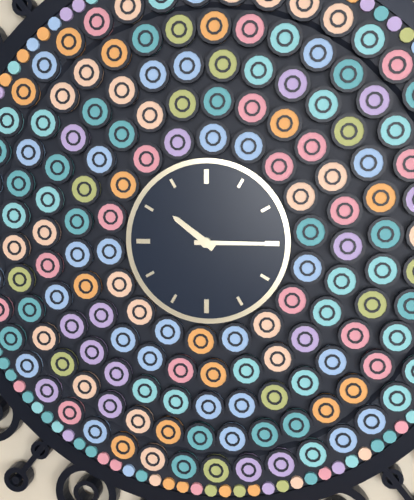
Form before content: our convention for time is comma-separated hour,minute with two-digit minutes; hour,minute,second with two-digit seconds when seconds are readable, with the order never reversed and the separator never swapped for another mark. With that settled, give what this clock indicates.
10,15
